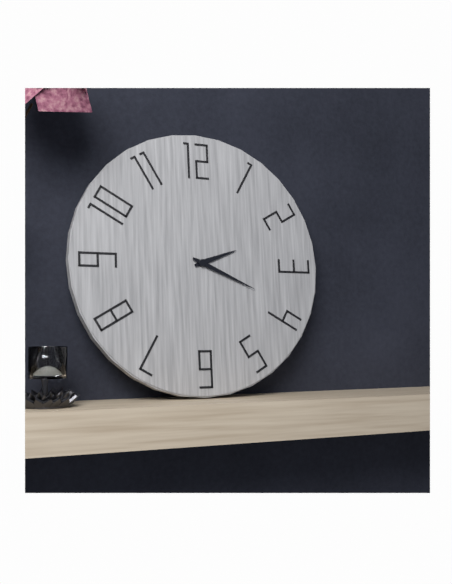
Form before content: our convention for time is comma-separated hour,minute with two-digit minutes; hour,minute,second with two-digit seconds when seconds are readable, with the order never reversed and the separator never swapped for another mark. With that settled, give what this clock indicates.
2,19
